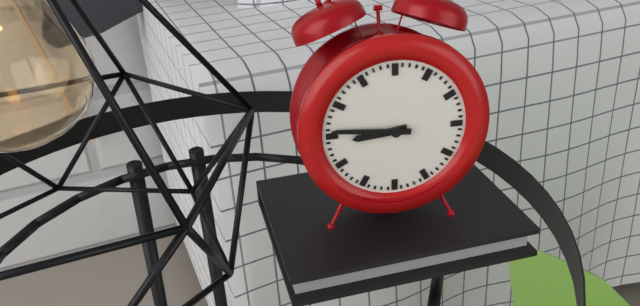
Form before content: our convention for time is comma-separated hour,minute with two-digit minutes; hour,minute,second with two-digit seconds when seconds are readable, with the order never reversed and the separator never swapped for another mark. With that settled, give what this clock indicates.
8,46
